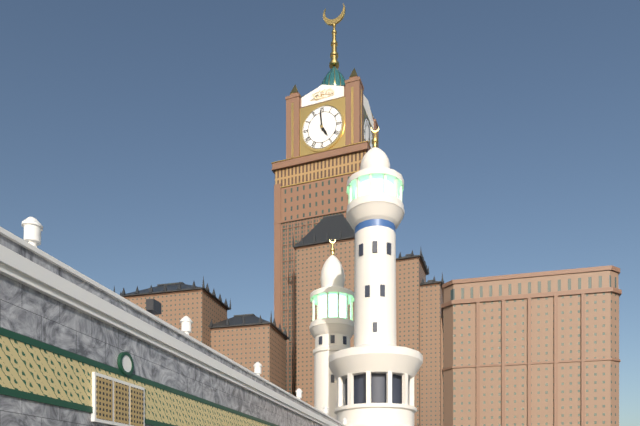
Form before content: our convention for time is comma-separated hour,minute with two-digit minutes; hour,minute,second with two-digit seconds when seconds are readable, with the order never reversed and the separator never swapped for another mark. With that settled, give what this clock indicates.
4,59
